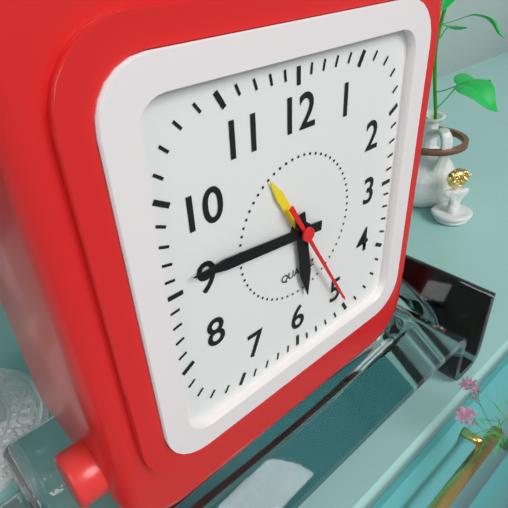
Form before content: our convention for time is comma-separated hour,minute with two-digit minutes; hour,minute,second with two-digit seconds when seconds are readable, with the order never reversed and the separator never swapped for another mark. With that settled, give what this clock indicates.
5,46,25
